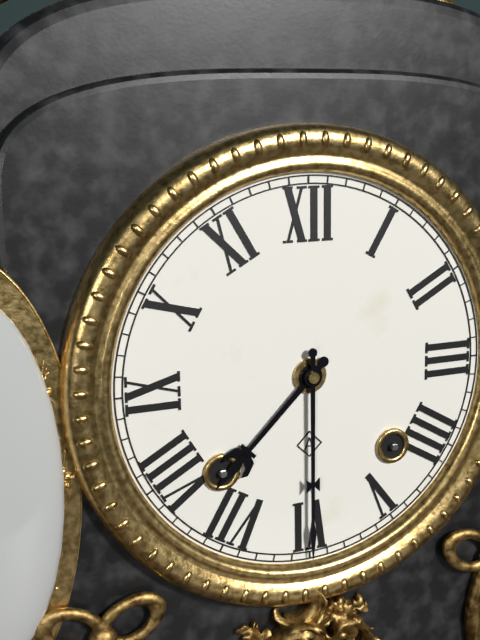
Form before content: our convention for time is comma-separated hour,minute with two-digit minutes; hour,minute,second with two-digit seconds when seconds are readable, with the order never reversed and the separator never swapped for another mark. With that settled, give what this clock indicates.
7,30
